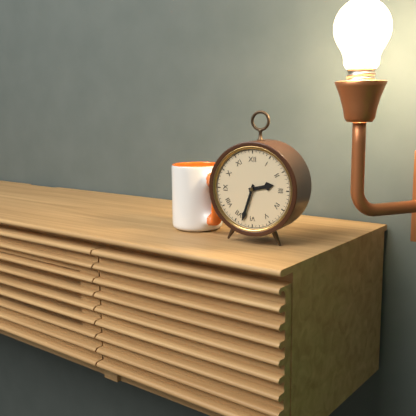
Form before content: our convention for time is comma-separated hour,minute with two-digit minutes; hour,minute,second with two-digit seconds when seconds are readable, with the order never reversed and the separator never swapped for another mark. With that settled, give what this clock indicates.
2,33
